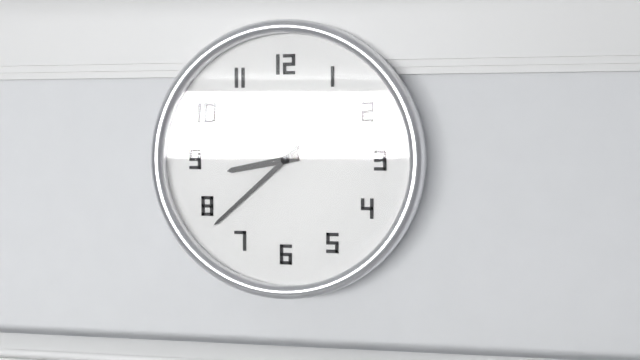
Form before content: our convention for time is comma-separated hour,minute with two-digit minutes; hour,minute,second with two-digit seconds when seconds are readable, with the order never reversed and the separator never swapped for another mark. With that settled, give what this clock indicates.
8,38
